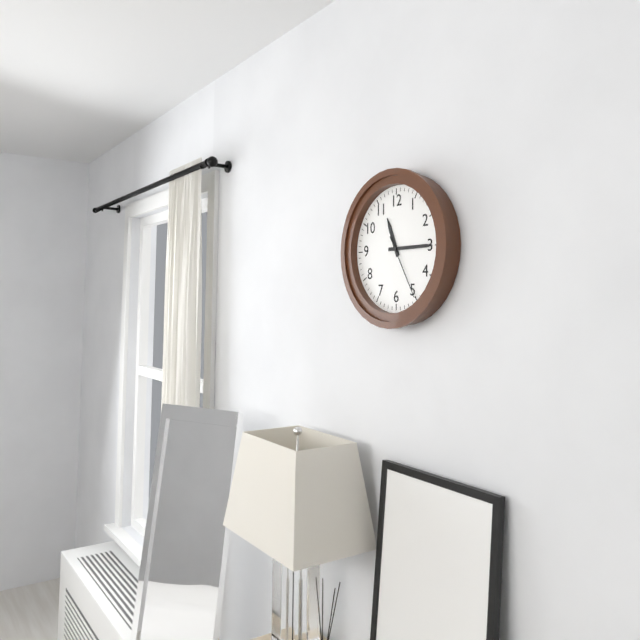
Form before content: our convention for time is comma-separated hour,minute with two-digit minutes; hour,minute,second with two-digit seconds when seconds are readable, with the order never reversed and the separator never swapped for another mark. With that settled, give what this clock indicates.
11,15,25
